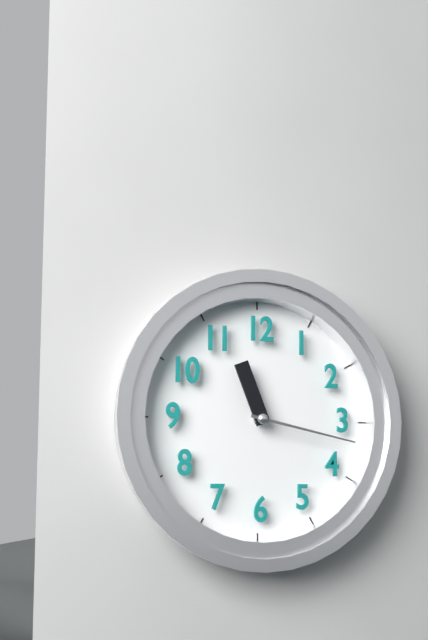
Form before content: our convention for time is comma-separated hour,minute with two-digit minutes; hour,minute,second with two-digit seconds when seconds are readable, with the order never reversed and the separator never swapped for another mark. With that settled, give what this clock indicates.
11,17
